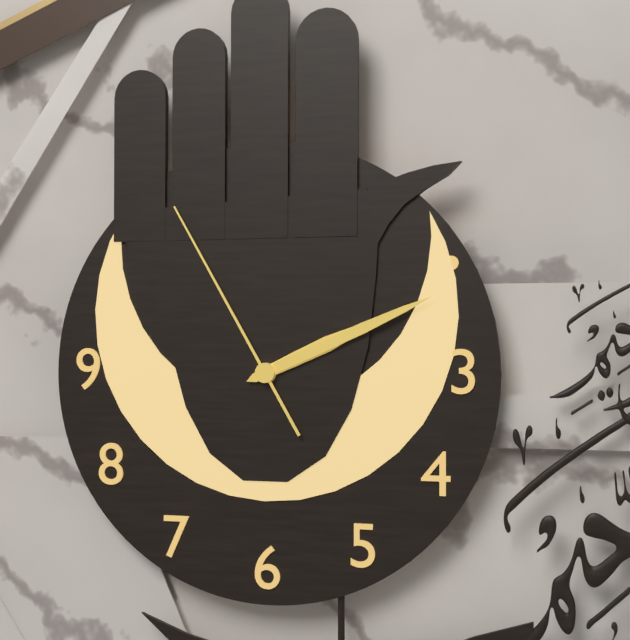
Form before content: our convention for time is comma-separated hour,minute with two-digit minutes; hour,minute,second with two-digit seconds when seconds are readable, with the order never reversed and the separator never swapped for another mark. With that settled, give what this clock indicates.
2,11,55
